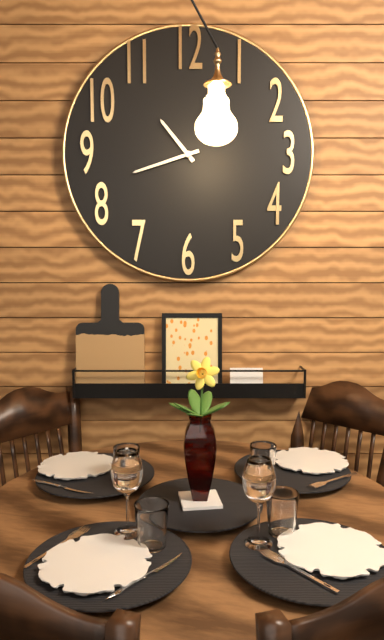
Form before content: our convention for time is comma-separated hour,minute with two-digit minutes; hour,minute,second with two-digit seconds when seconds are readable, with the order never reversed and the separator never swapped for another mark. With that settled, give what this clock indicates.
10,42
